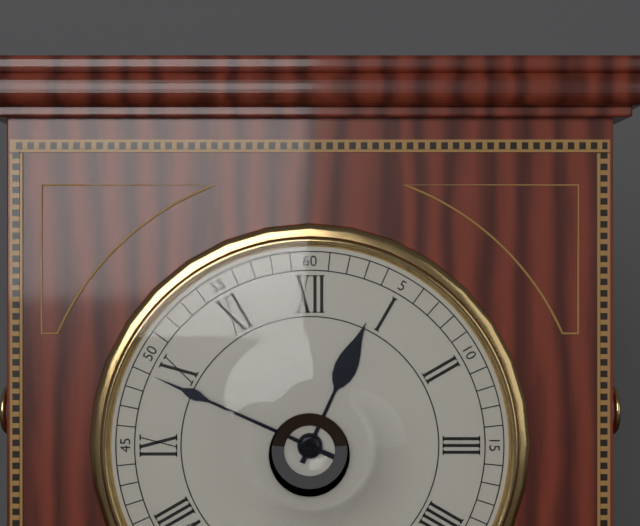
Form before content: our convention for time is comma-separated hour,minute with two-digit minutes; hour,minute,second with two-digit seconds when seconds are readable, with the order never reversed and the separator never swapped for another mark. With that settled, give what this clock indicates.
12,49
